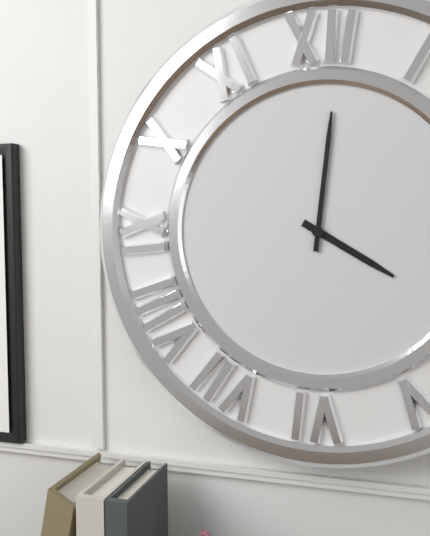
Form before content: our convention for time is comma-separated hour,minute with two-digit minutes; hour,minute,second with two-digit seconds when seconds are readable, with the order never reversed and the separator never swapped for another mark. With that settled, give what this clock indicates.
4,01
